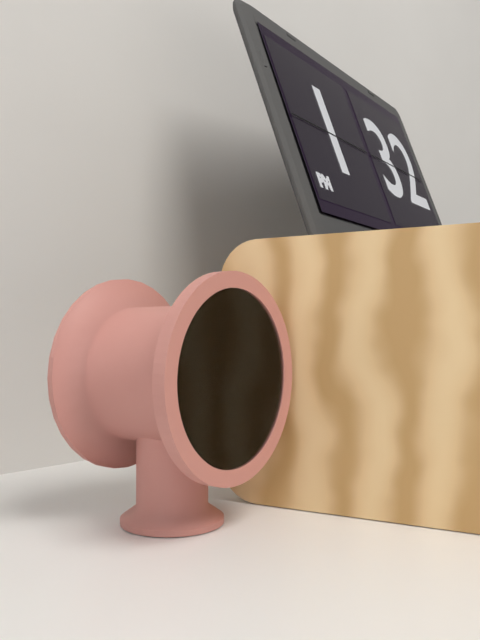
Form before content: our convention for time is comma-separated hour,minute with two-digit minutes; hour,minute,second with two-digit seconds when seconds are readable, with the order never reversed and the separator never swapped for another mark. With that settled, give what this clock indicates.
11,38,17
